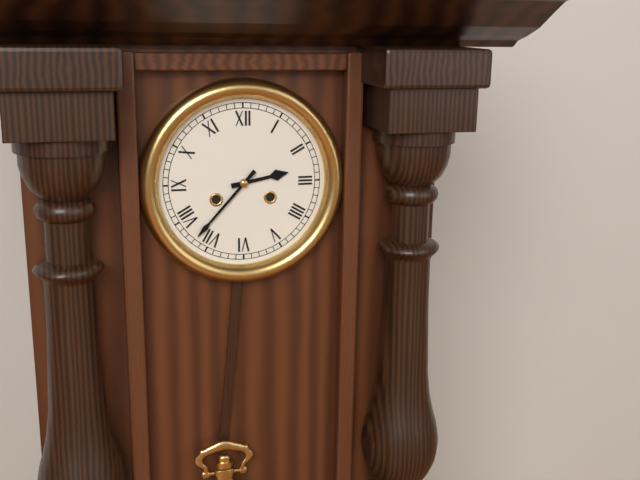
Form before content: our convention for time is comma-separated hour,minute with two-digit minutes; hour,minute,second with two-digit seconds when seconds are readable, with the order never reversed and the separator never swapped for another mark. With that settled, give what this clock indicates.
2,37
